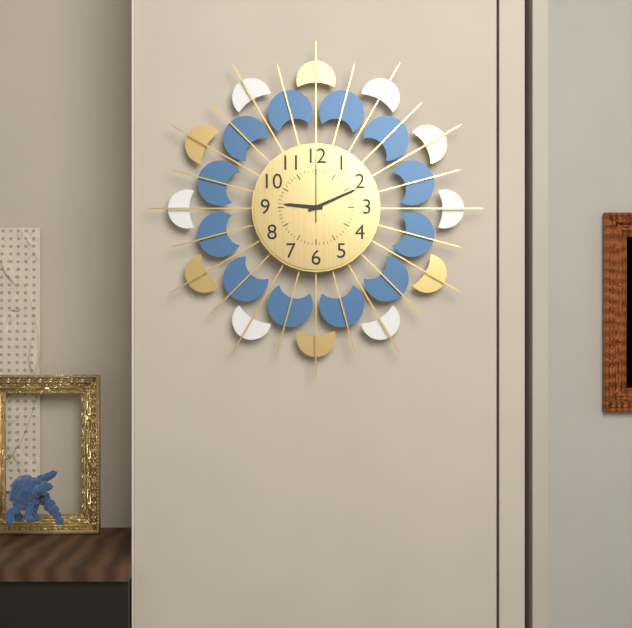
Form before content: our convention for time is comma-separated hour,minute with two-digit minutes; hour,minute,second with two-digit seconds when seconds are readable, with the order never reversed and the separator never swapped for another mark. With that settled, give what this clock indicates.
9,11,00
